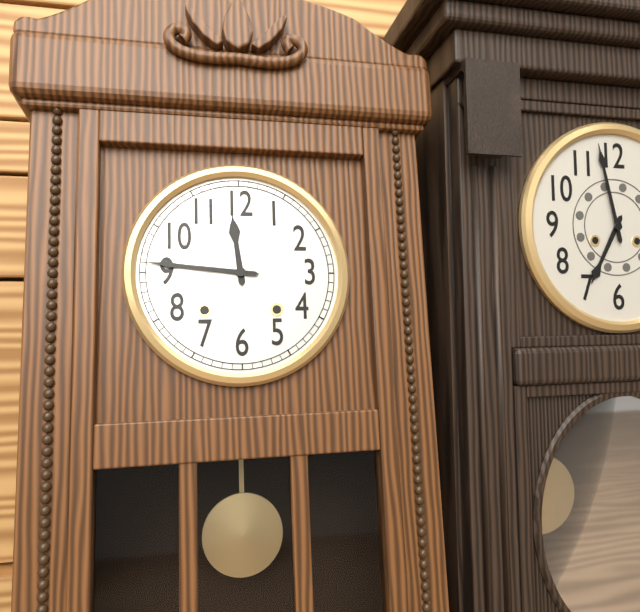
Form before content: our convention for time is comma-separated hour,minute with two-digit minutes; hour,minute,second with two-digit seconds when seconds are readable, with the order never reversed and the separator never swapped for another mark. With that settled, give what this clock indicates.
11,46
